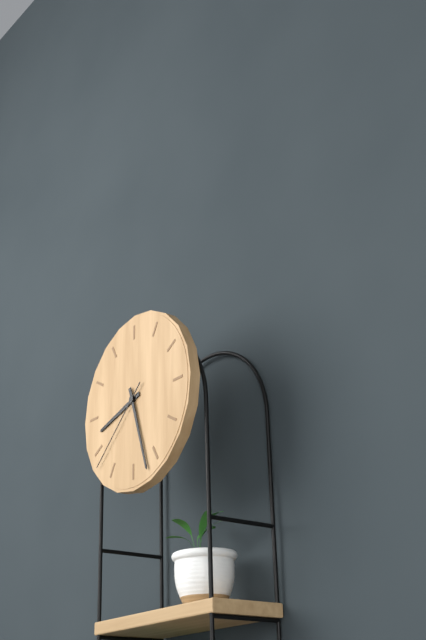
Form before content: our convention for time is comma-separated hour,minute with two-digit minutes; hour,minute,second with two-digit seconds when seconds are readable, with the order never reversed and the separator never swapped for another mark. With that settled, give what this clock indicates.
8,27,38
